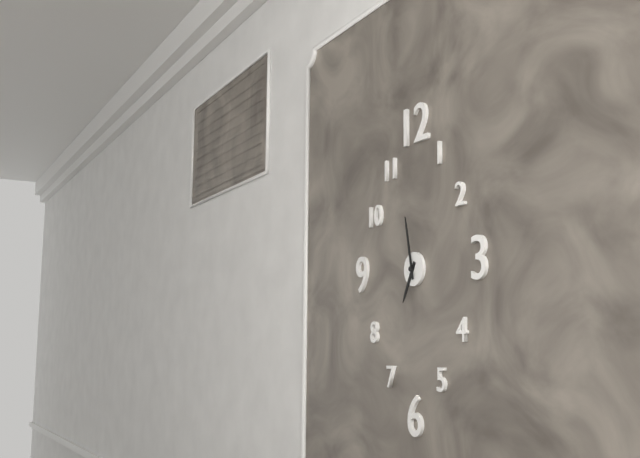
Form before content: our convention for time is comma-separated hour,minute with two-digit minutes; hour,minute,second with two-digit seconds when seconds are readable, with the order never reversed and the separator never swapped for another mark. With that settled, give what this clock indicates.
6,58
